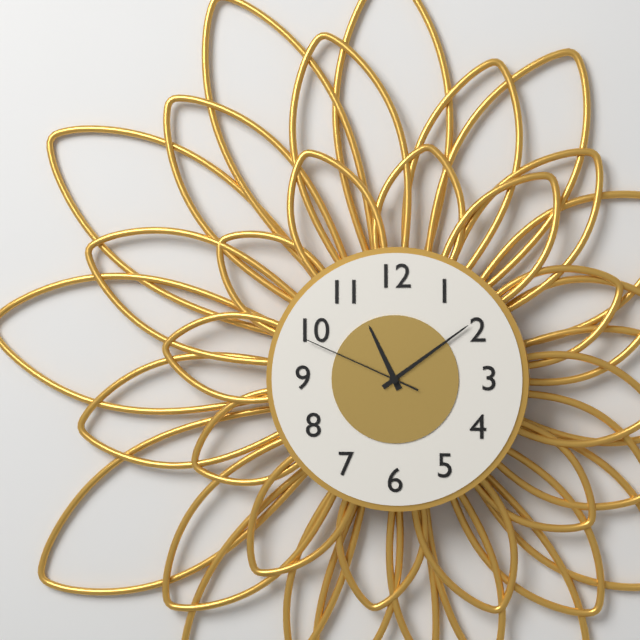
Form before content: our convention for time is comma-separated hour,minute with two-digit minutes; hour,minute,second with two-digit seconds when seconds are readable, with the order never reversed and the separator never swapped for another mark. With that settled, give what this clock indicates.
11,09,49
